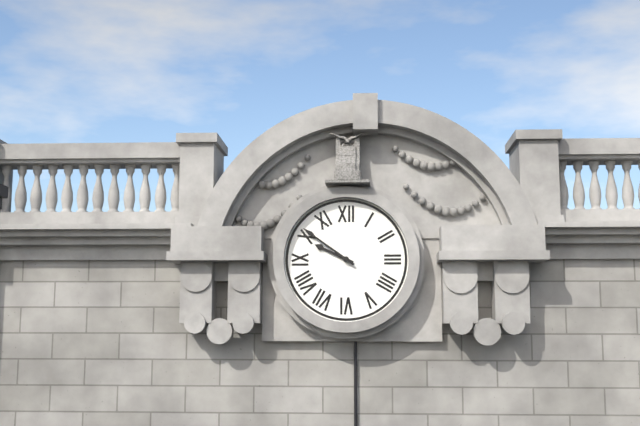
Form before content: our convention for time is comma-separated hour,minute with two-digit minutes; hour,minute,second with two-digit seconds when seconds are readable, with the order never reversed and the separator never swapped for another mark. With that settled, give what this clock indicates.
9,51
